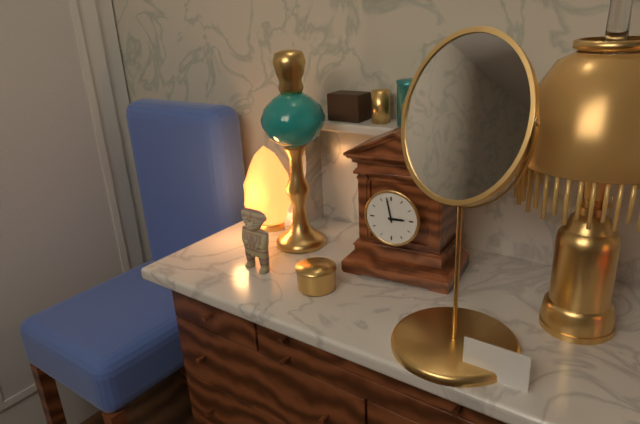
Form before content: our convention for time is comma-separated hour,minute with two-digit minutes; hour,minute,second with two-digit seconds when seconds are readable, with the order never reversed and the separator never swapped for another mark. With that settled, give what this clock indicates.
2,58
